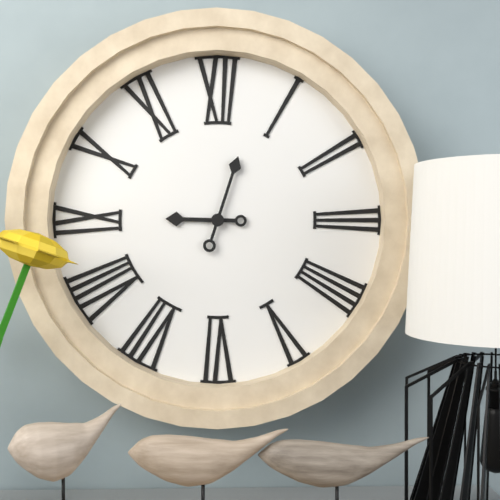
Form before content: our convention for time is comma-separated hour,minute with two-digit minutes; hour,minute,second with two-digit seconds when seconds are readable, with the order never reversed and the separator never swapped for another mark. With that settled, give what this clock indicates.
9,03
